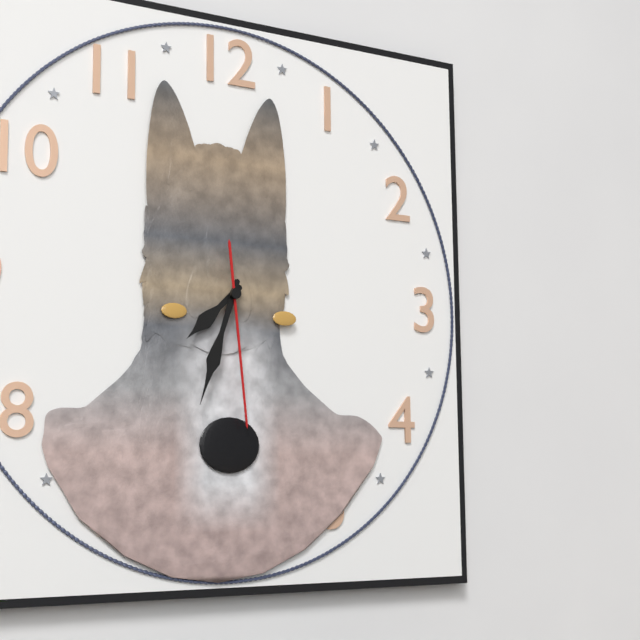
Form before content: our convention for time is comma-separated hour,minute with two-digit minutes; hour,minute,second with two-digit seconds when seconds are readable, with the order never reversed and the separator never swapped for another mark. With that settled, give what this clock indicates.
7,33,29
